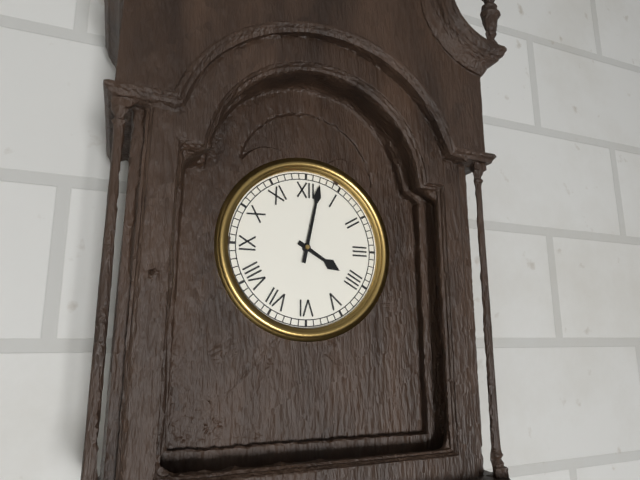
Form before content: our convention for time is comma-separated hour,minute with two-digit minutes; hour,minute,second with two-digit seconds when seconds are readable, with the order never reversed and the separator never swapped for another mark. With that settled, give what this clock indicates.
4,02
